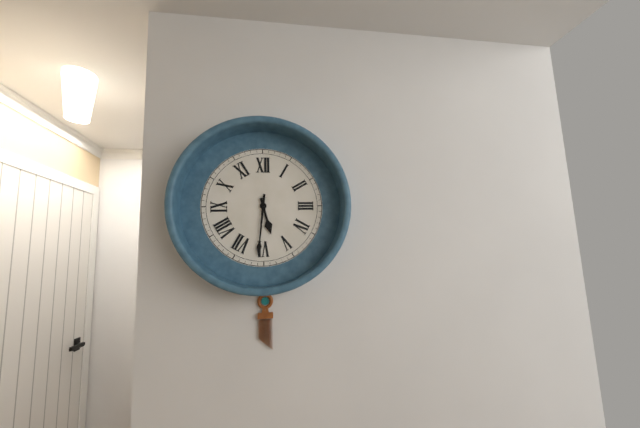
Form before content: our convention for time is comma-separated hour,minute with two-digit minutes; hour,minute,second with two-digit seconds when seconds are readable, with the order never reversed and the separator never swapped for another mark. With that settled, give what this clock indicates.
5,31
